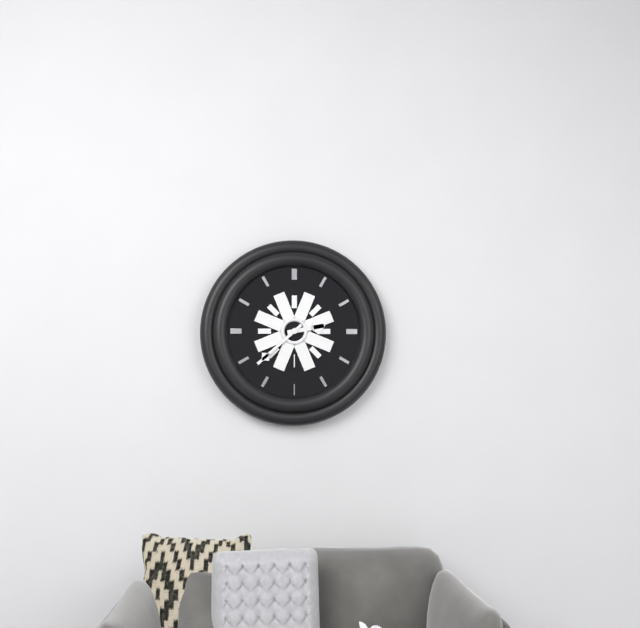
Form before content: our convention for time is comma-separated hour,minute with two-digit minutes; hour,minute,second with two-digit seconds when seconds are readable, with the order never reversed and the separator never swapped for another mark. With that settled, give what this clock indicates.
2,38
